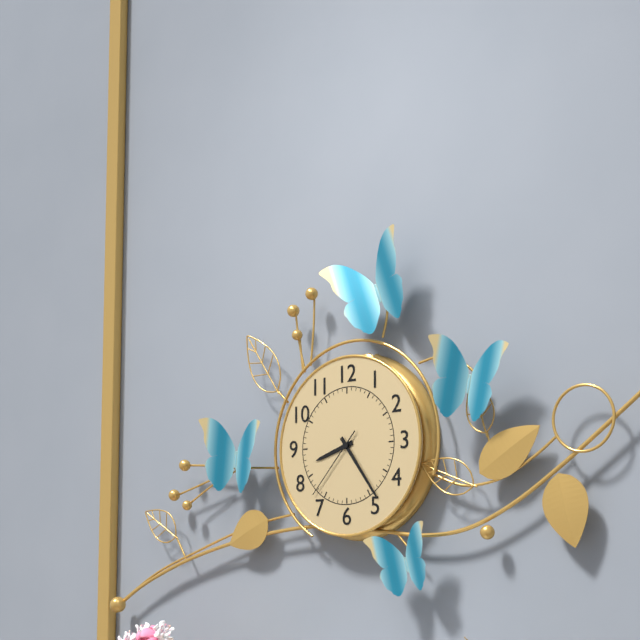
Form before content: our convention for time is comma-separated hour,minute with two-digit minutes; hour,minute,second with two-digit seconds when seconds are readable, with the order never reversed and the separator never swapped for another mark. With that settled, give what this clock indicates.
8,24,37
